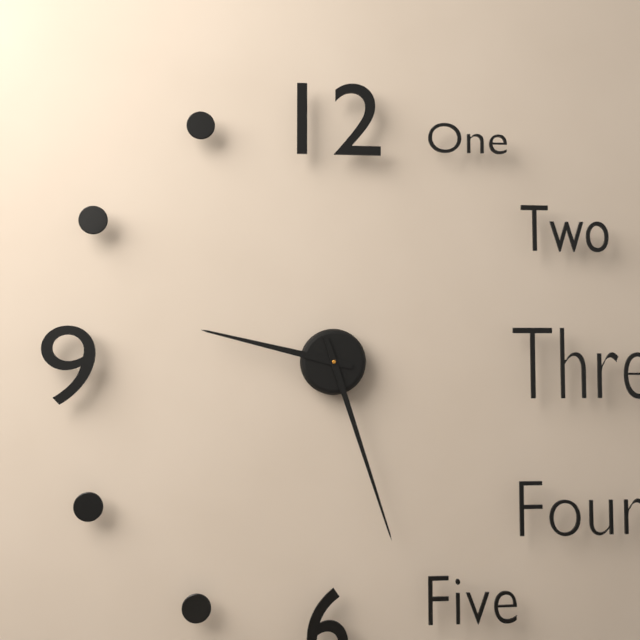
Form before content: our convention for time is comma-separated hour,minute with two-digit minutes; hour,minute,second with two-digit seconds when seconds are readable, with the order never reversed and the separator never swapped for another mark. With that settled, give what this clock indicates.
9,27
